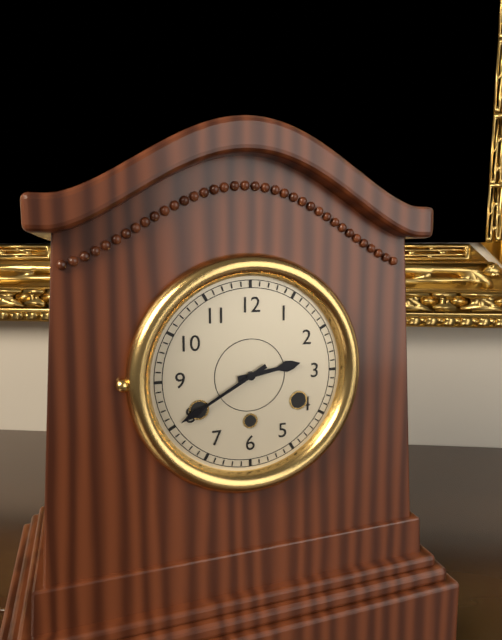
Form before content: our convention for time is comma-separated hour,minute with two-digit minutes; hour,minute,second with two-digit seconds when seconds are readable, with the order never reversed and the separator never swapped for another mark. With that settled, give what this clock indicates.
2,40
